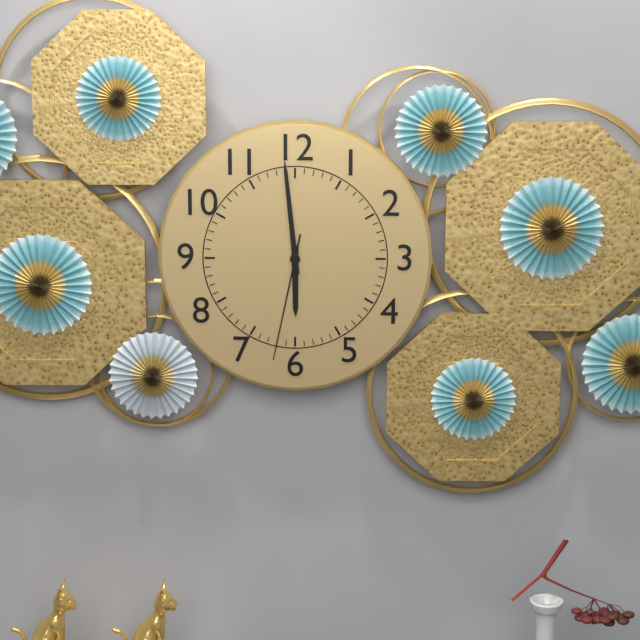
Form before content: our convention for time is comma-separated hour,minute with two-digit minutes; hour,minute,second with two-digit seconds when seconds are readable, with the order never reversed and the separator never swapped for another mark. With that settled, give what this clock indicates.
5,59,32
